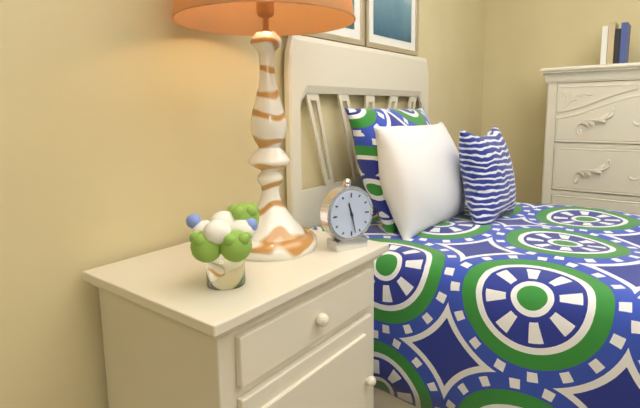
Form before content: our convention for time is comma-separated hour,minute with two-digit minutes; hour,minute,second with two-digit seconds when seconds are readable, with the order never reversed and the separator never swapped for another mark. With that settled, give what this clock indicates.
11,28
